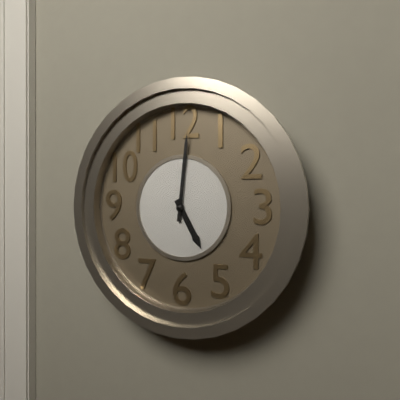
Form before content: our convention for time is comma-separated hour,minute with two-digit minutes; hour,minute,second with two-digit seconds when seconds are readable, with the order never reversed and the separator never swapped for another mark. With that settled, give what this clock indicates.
5,01
